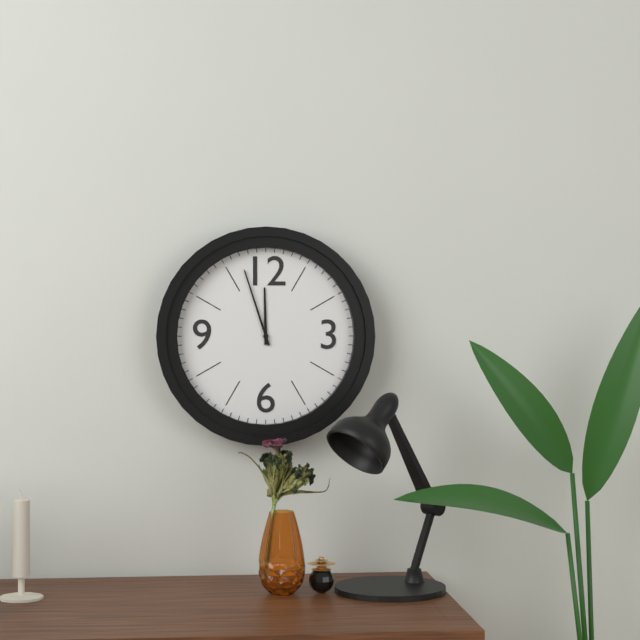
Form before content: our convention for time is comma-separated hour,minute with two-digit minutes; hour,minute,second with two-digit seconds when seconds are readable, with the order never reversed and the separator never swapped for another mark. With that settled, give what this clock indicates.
11,57
